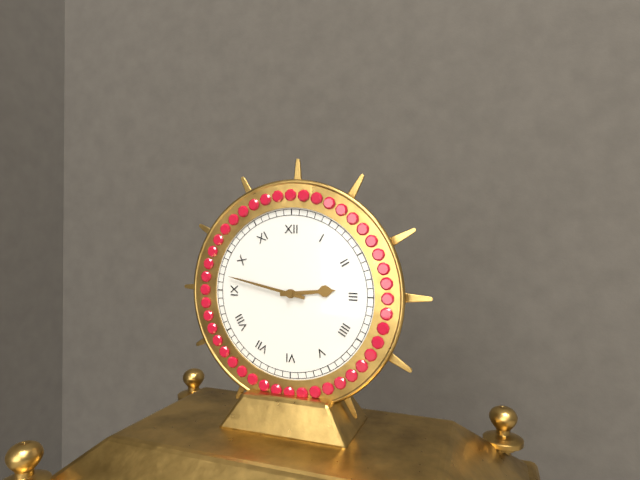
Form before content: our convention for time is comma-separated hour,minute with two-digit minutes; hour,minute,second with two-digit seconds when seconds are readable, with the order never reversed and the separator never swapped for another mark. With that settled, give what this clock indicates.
2,47
